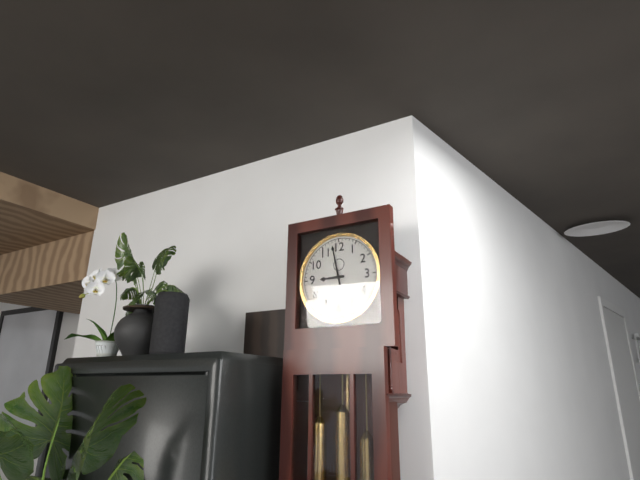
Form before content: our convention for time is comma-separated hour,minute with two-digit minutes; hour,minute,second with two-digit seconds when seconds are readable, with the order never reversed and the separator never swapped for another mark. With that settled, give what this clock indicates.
8,58
